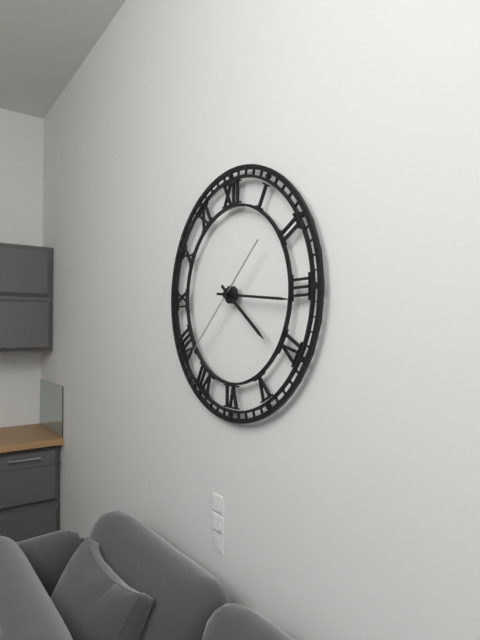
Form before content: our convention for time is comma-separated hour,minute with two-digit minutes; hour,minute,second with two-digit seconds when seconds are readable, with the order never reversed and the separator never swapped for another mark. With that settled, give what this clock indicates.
4,16,38
